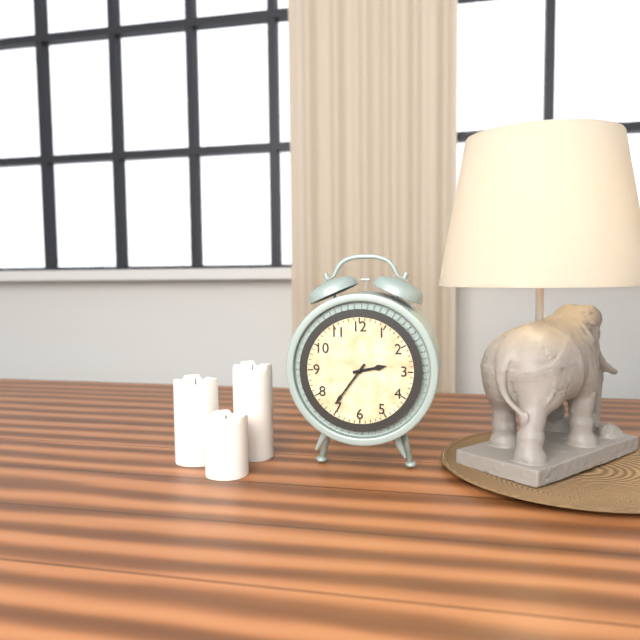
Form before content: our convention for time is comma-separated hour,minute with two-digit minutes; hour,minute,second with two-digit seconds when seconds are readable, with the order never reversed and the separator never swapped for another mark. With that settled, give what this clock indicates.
2,36
